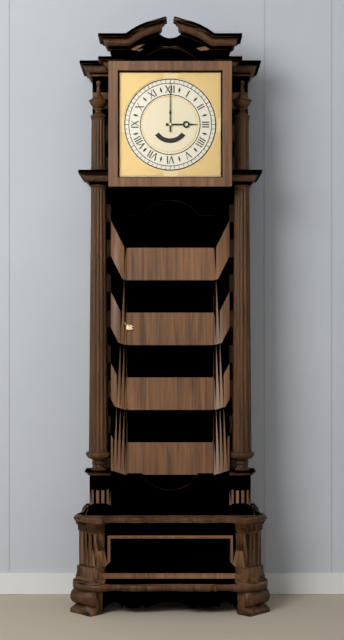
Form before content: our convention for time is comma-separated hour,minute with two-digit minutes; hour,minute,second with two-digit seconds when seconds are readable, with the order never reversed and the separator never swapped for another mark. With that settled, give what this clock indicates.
3,00
